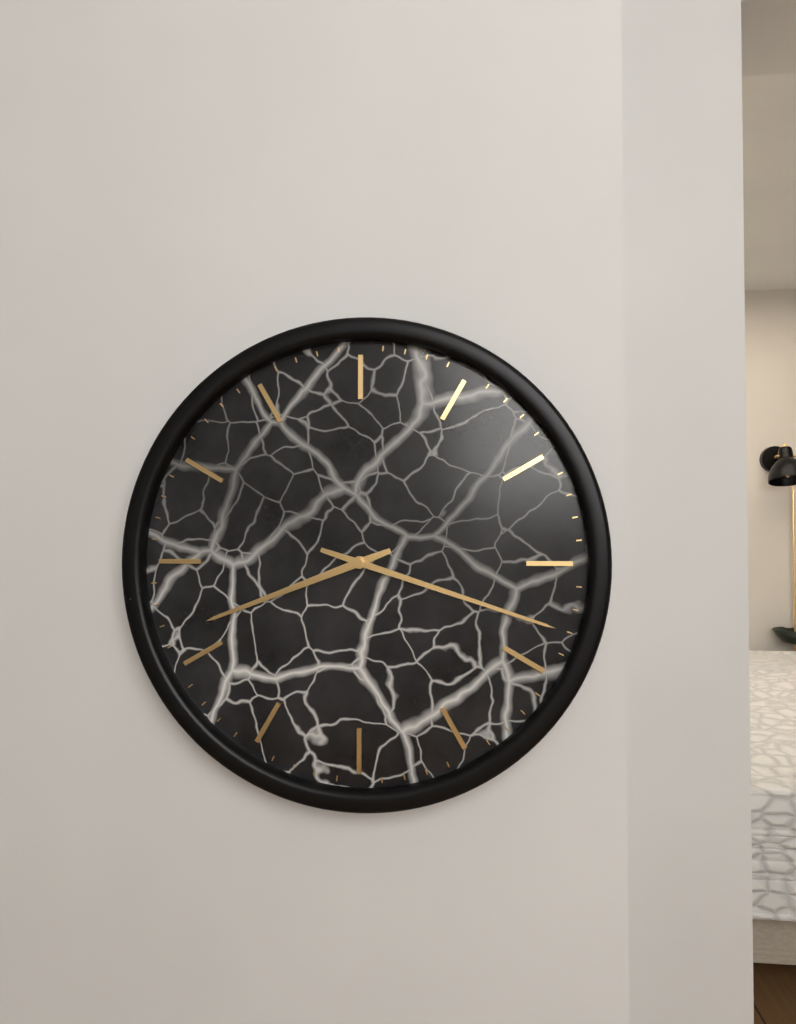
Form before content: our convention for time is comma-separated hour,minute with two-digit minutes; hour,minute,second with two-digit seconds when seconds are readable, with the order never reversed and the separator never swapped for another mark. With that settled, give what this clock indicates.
8,18
